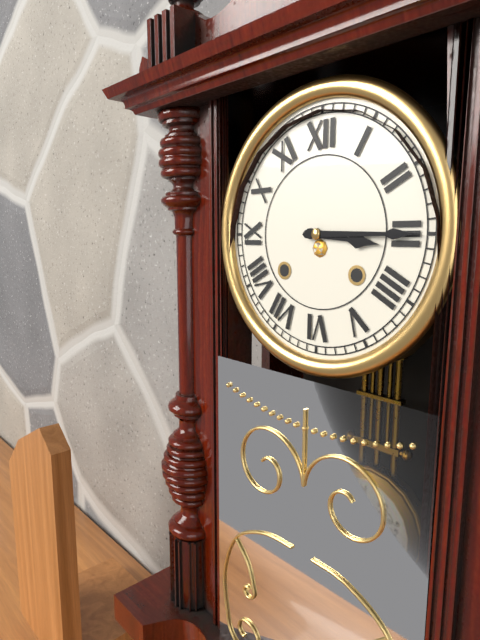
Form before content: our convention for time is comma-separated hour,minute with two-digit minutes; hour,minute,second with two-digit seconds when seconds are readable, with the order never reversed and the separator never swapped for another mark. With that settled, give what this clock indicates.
3,15
